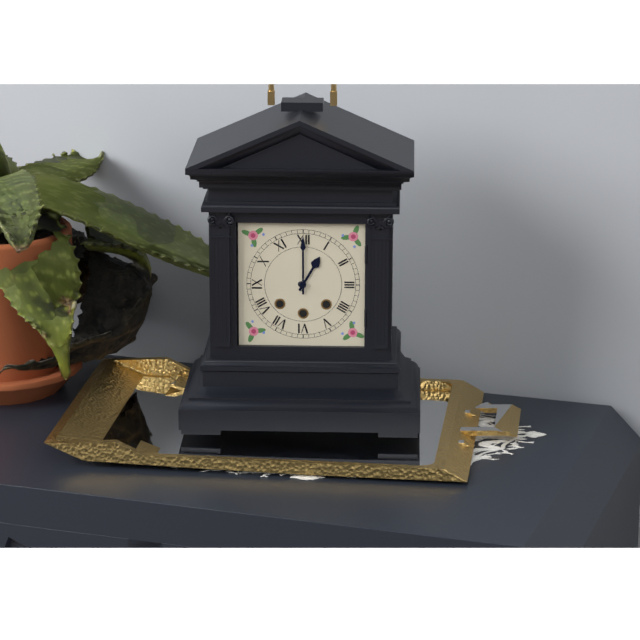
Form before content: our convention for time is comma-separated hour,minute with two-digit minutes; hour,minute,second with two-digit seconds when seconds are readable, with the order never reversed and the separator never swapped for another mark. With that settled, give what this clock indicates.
1,00
